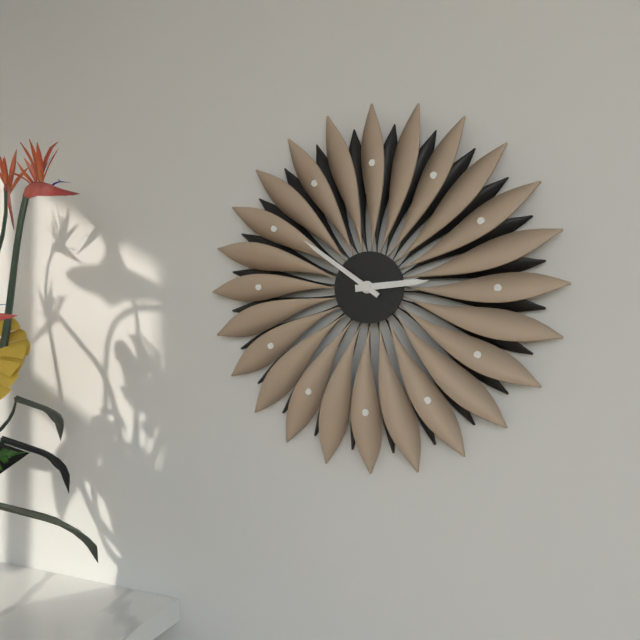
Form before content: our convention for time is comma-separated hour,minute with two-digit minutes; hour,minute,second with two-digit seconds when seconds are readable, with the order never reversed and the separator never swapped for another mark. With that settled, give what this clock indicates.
2,51
